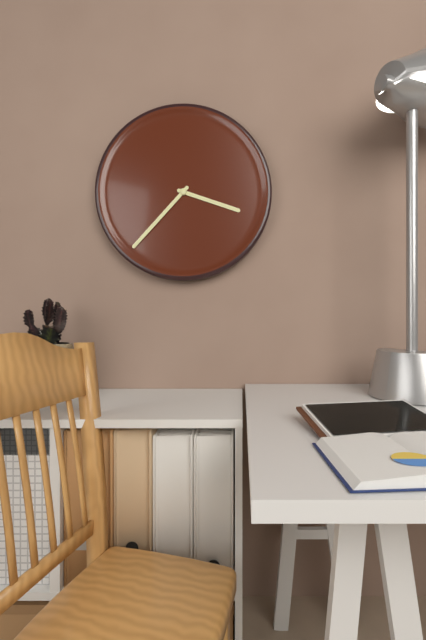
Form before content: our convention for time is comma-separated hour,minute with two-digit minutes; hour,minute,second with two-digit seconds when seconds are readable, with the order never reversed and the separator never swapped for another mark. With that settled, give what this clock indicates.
3,37
